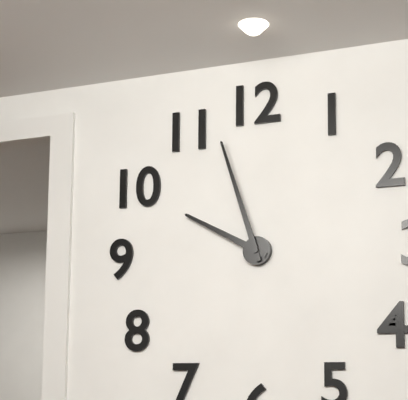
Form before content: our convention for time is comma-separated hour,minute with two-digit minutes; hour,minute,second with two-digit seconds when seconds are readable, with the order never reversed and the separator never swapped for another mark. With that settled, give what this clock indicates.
9,57
